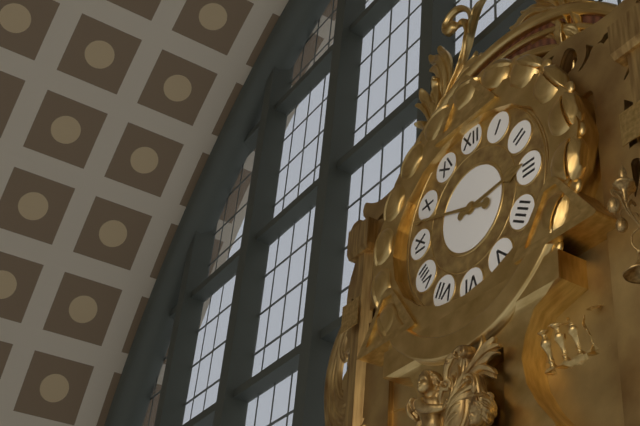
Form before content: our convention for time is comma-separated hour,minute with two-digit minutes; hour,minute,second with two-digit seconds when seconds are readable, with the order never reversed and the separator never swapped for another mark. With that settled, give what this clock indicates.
2,48
